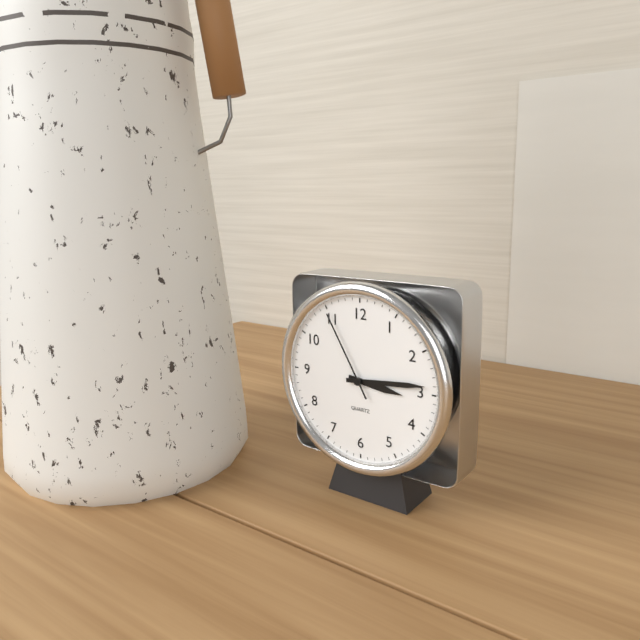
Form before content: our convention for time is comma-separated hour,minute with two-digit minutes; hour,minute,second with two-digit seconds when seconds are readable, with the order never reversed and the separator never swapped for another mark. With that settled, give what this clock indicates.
3,14,55
